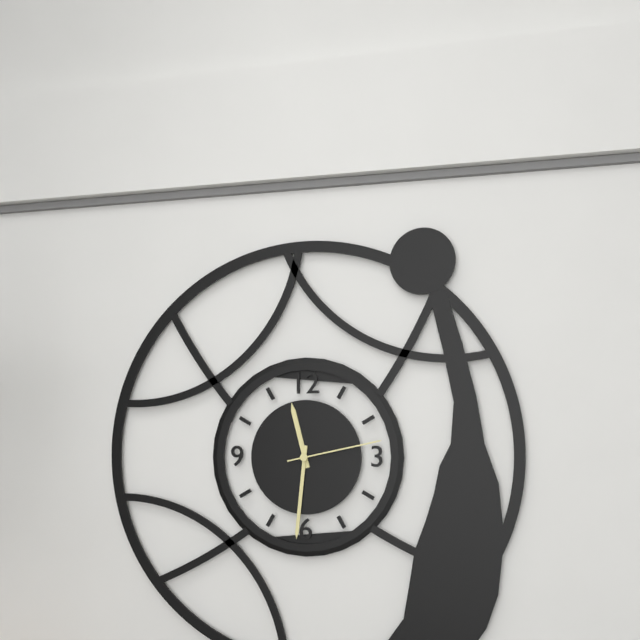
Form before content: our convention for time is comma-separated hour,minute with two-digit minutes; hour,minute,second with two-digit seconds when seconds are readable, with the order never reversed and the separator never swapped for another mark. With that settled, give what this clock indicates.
11,31,13
